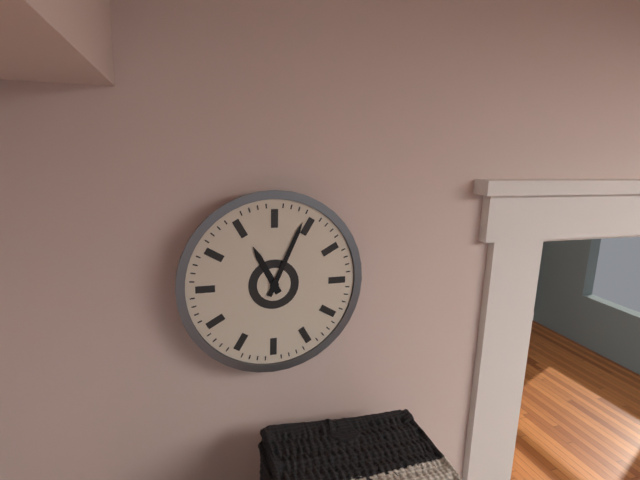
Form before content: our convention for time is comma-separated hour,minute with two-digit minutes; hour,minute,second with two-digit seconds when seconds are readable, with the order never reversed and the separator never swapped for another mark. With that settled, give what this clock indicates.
11,04
